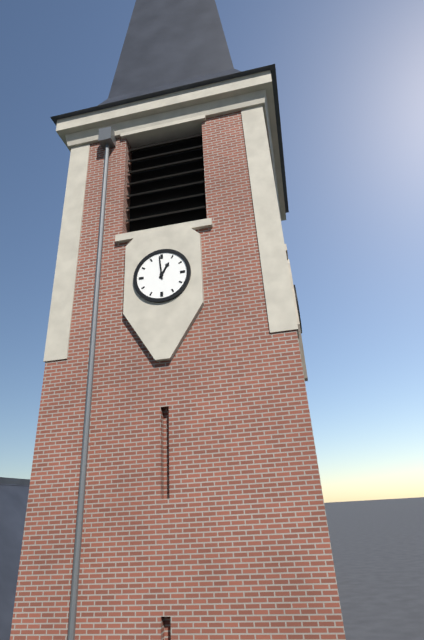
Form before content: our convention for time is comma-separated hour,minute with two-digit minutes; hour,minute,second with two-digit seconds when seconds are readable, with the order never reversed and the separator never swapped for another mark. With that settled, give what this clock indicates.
12,59
